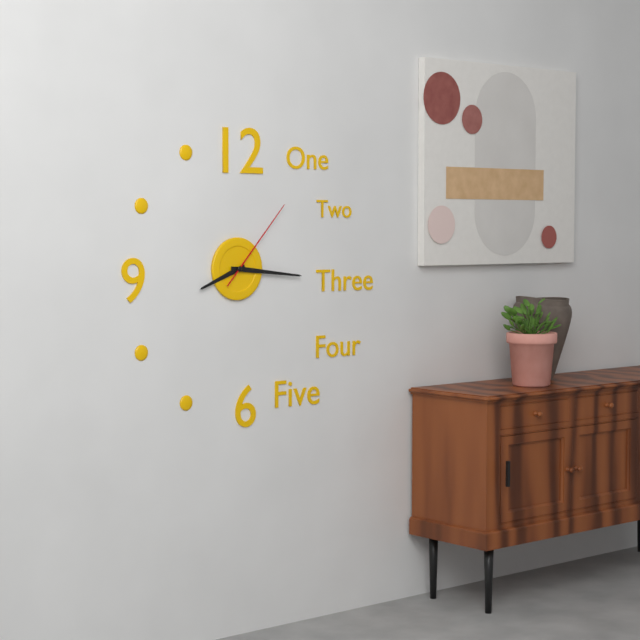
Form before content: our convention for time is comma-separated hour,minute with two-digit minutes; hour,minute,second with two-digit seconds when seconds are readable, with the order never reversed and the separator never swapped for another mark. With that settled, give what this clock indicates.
8,16,07
